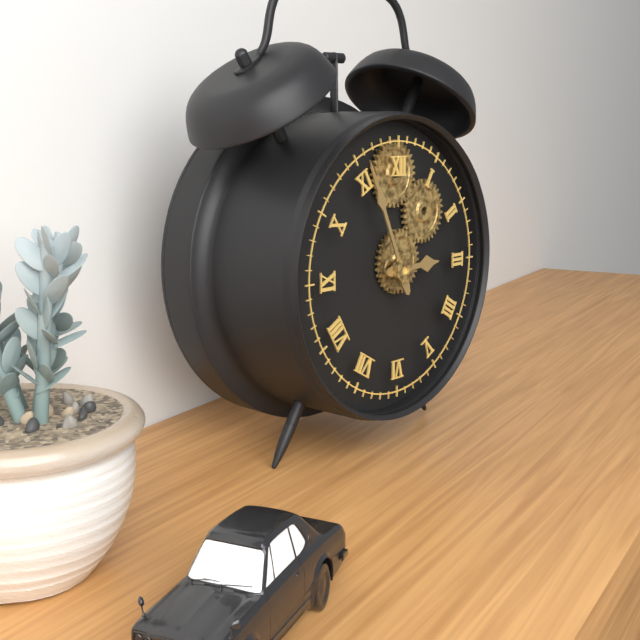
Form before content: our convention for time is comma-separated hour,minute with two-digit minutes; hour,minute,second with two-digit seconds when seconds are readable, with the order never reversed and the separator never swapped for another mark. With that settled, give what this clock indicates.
2,56
